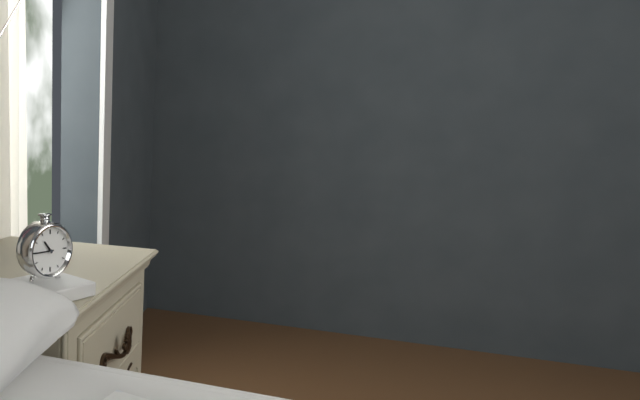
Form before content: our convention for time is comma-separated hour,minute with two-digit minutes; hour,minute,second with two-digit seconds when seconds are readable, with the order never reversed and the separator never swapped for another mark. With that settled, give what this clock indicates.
10,45
